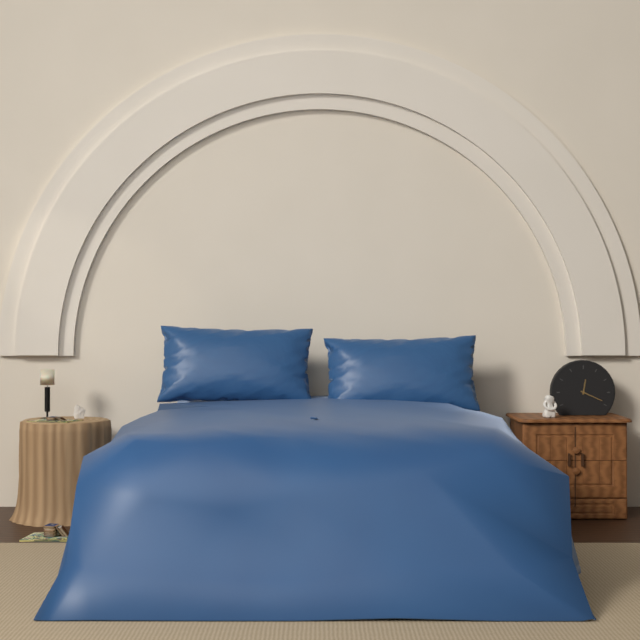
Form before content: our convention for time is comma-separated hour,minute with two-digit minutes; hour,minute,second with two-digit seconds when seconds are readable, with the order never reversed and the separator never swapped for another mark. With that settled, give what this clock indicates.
12,19
